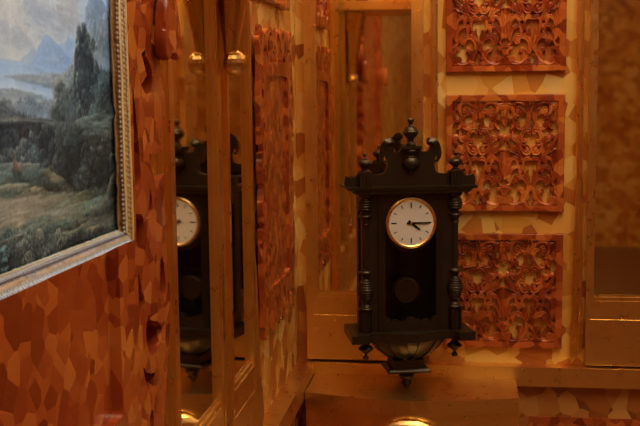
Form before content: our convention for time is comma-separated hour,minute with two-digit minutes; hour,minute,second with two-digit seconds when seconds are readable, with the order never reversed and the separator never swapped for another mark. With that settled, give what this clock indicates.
4,15
